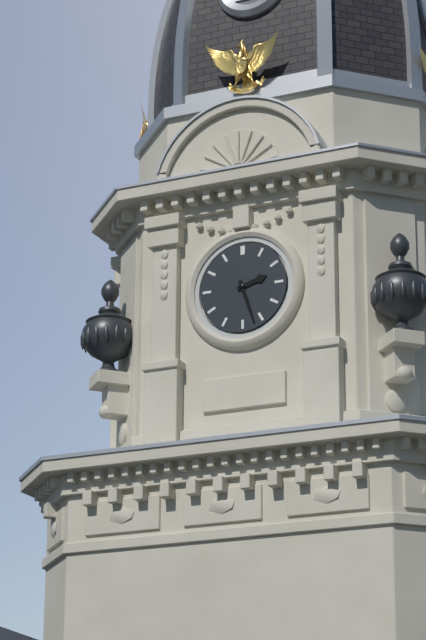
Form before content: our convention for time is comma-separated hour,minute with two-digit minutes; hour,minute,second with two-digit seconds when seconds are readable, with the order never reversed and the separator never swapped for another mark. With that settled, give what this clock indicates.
2,27
